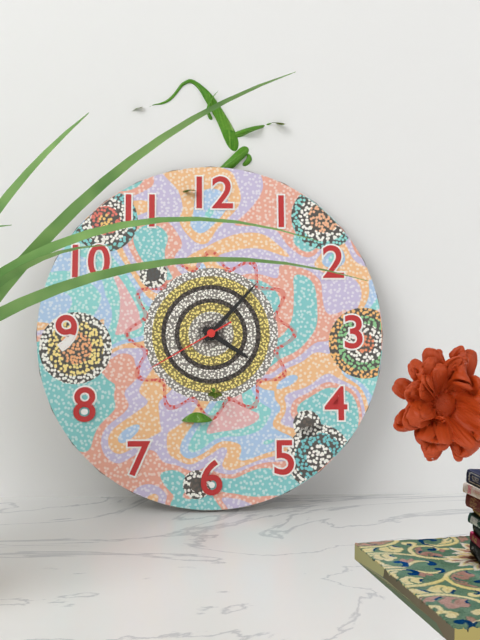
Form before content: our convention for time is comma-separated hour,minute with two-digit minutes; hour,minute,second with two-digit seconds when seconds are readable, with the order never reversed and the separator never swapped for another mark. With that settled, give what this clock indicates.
4,07,40
